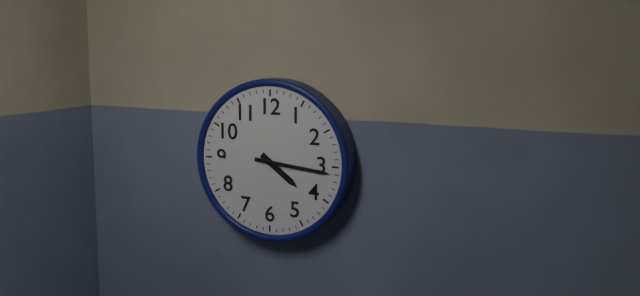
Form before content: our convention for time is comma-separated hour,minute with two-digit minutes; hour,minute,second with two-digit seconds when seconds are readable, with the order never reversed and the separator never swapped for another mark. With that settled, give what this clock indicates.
4,16
